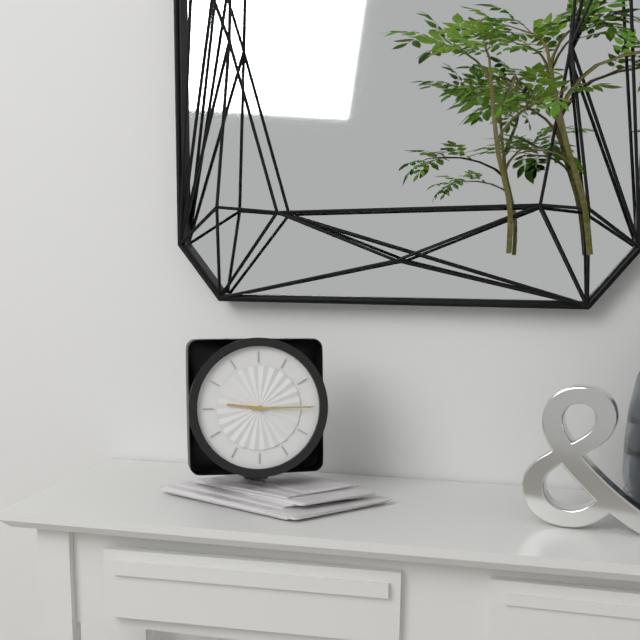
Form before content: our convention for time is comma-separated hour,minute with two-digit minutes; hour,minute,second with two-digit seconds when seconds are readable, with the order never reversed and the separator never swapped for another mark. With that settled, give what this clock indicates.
9,15
